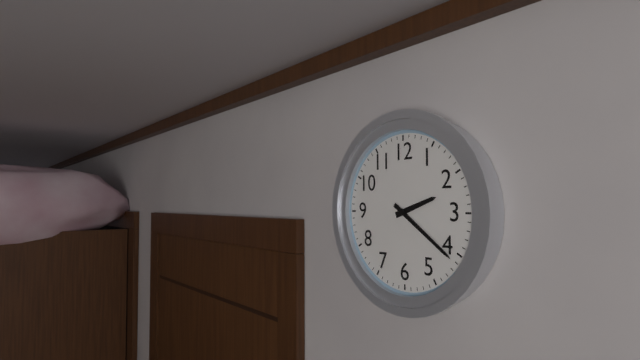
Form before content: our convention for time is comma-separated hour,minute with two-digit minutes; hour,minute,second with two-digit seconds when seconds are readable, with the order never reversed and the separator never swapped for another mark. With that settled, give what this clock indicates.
2,21
